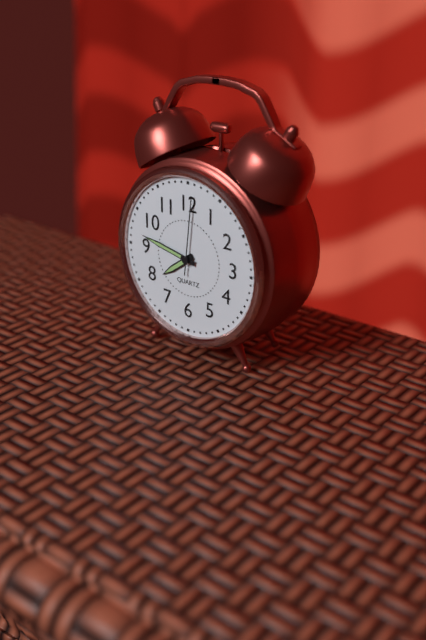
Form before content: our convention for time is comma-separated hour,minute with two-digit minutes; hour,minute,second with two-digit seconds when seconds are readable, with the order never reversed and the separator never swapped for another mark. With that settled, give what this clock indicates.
7,47,01
